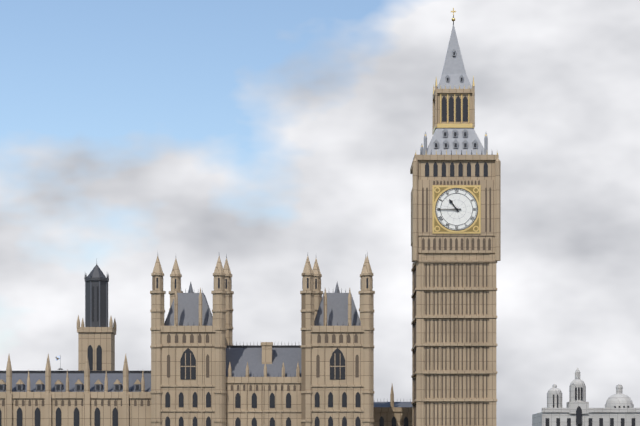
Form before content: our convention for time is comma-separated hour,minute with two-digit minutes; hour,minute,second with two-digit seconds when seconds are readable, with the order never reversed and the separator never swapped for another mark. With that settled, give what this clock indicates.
10,45
